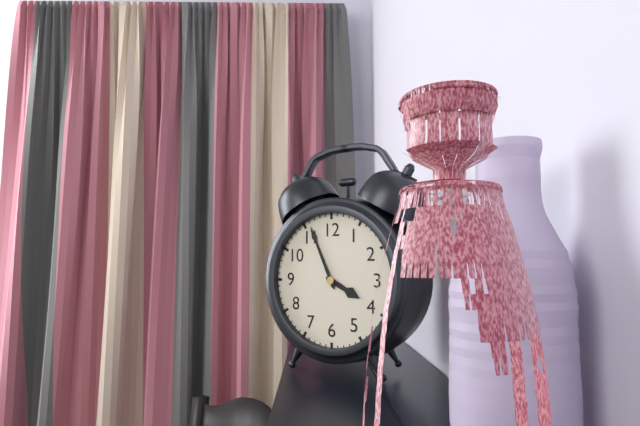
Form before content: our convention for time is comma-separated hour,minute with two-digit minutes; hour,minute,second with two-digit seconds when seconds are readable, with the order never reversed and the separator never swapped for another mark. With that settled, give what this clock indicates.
3,56
